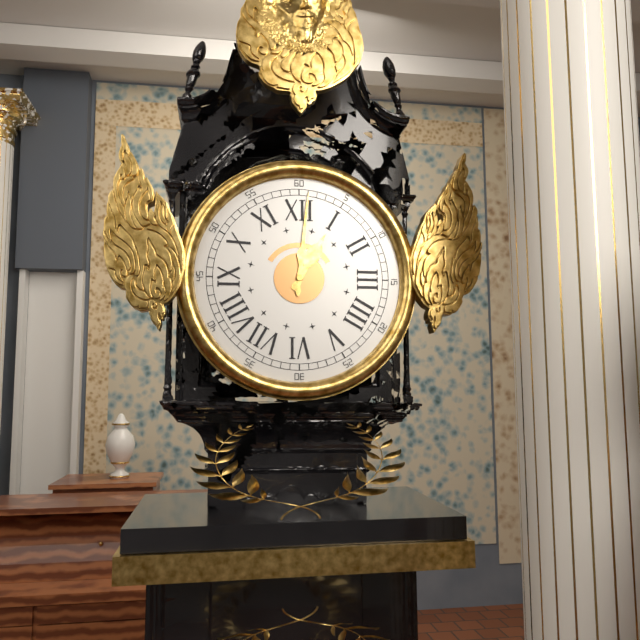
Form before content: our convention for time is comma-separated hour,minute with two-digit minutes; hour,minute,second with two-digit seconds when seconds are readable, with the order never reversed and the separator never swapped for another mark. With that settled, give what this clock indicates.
1,01
